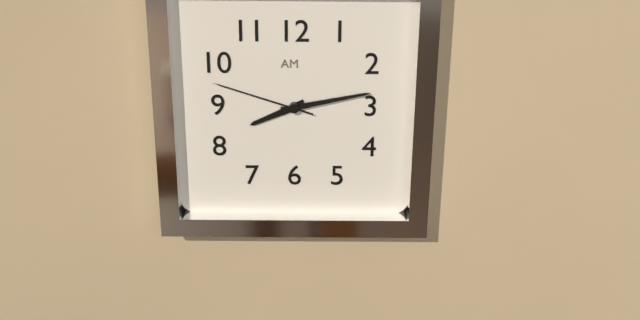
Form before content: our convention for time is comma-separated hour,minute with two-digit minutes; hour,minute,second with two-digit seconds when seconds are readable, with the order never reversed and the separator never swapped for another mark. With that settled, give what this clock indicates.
8,13,48
